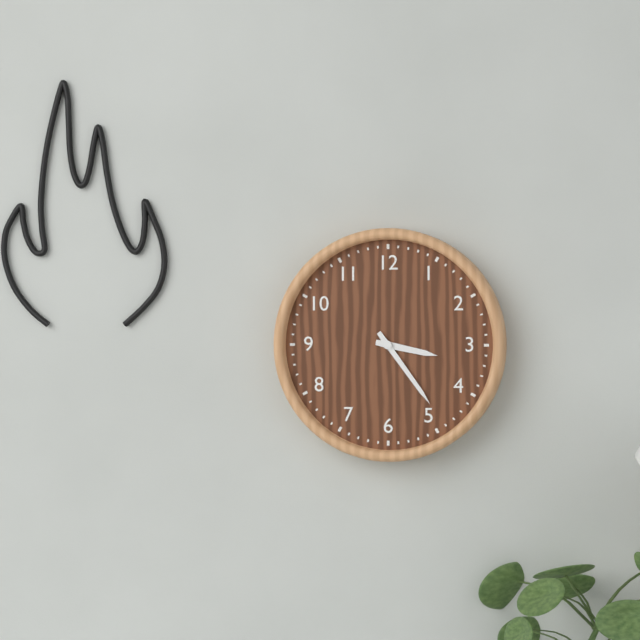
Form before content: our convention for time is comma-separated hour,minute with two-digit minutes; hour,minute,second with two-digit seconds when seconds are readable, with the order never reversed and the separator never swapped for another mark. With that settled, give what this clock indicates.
3,24
